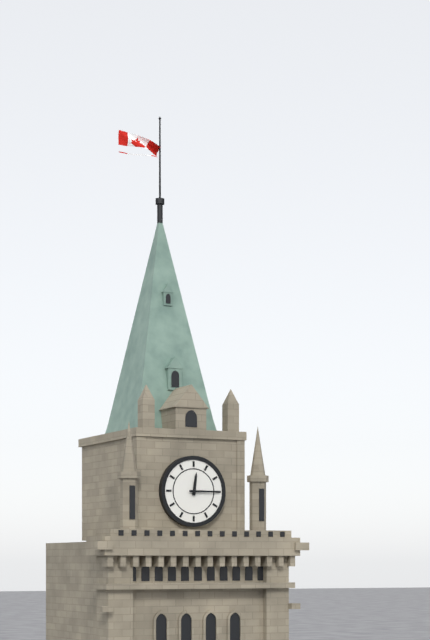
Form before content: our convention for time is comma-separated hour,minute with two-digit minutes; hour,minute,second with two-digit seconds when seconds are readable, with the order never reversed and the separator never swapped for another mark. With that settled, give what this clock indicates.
12,15
